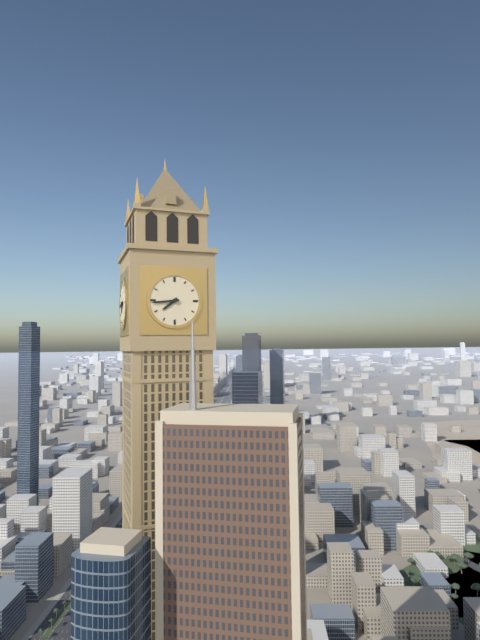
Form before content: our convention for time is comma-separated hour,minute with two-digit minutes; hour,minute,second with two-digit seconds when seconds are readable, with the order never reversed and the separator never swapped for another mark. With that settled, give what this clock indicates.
7,44
